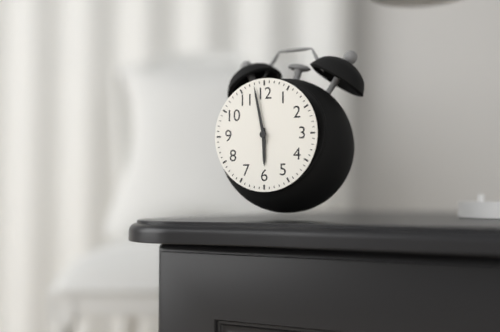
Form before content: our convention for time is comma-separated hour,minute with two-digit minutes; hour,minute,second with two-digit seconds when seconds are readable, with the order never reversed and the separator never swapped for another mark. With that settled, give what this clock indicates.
5,58
